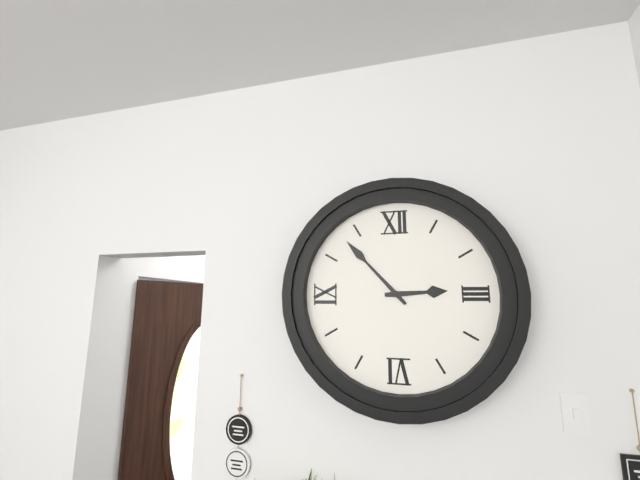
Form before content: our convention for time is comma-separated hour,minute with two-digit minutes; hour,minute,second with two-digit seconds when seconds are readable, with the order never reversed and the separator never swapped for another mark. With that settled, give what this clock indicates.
2,53
